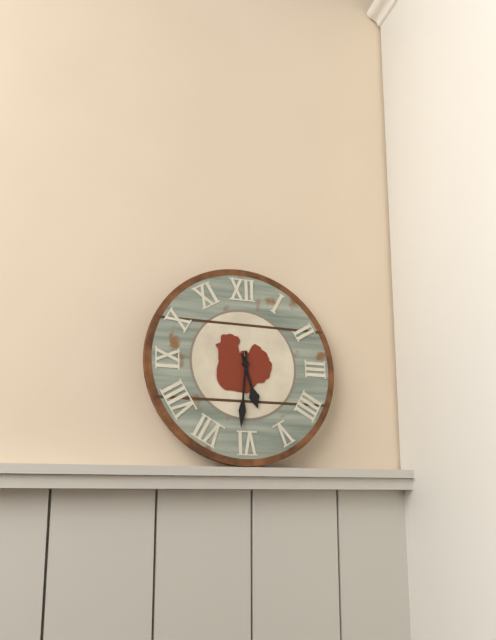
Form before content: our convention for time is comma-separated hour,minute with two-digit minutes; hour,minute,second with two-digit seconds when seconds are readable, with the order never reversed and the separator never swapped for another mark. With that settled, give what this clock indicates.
5,31
